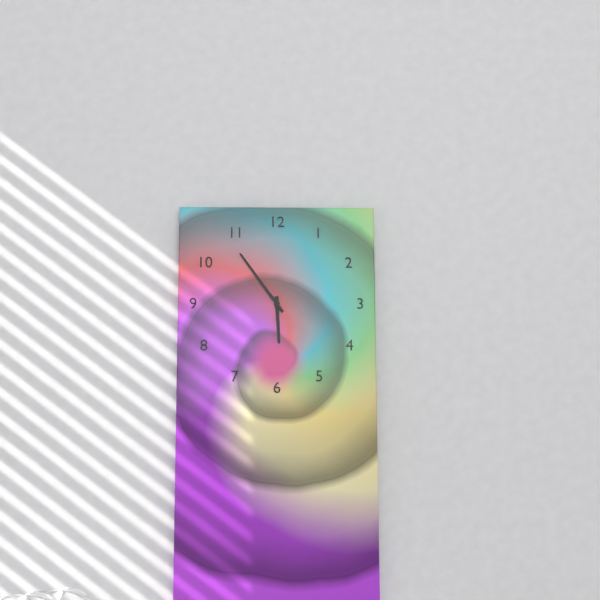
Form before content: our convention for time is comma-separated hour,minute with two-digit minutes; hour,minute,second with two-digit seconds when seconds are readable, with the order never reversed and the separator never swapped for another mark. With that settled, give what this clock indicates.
5,54
